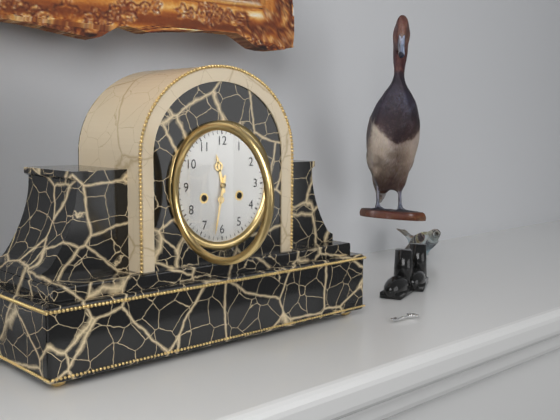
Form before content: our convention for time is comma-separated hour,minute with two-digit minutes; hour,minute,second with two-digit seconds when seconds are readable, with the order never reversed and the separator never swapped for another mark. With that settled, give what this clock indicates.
11,32
